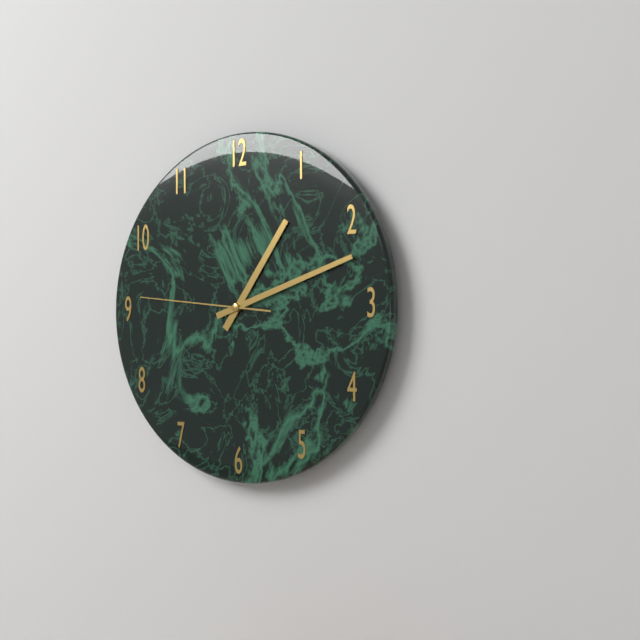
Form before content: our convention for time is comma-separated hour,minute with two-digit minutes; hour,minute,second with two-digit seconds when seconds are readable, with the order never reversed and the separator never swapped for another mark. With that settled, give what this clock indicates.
1,12,46
